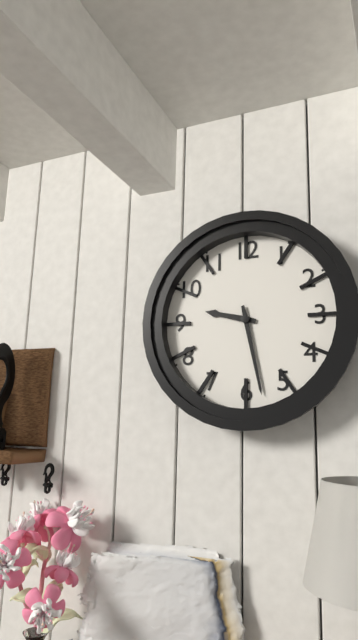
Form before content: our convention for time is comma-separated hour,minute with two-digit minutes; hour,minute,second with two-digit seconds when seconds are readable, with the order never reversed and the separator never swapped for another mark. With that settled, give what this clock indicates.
9,28
